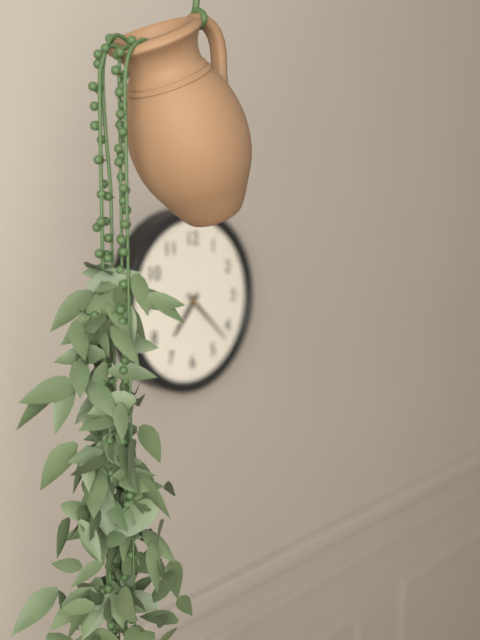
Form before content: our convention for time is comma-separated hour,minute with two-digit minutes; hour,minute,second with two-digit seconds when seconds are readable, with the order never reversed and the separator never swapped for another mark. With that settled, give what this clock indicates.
7,22
